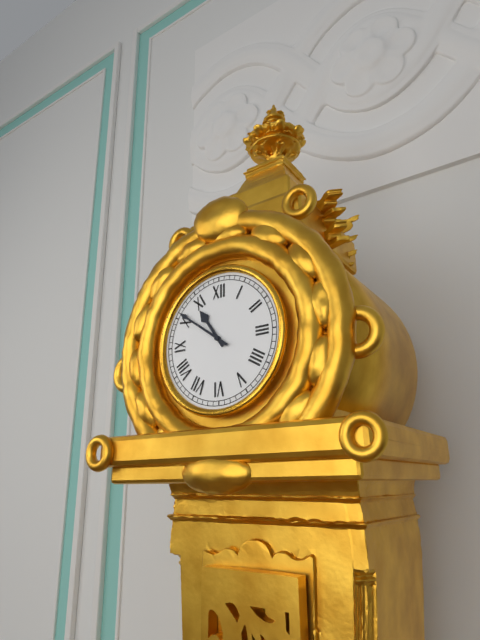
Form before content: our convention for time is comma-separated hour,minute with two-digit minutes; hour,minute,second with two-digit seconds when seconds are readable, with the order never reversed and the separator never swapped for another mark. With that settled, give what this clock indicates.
10,51
